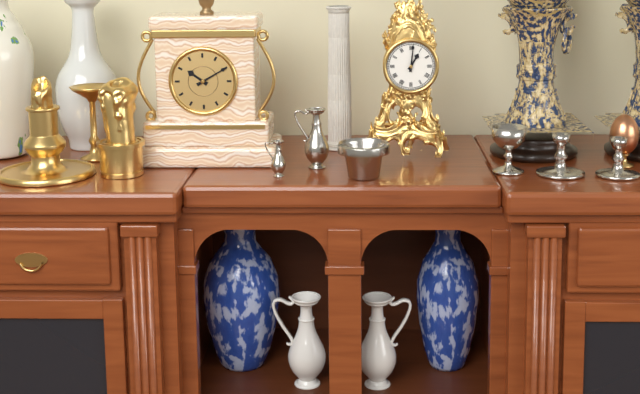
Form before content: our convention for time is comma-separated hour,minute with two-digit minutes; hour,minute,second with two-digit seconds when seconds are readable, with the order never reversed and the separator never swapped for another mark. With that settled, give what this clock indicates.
1,01
